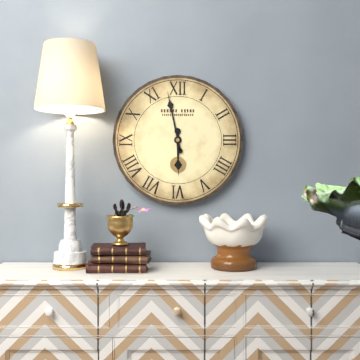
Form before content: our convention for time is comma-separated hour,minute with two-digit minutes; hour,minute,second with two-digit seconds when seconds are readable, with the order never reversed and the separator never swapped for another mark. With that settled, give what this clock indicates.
5,58
